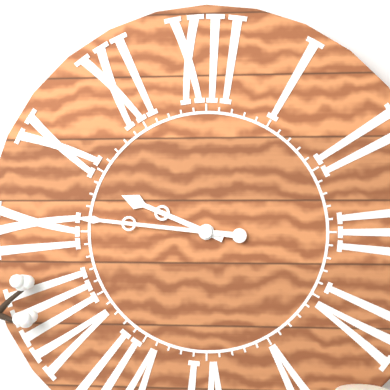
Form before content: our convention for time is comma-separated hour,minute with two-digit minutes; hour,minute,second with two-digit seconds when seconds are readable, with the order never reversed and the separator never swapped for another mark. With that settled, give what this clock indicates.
9,46
